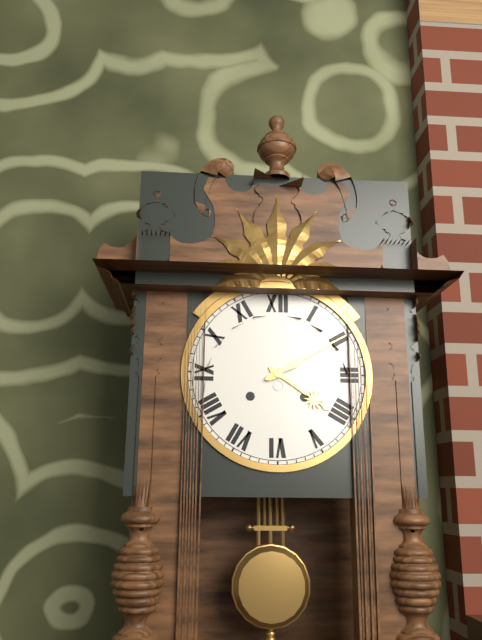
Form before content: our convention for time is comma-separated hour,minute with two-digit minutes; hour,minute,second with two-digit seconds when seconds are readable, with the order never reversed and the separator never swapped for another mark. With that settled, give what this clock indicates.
4,10
